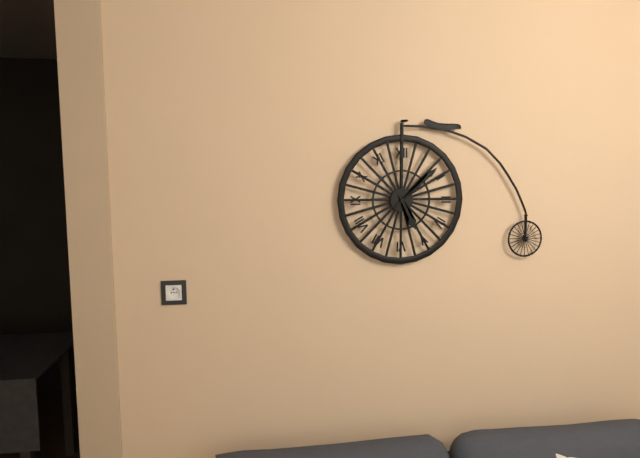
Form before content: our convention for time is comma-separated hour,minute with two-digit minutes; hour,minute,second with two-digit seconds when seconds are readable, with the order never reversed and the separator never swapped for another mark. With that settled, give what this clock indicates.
5,08
